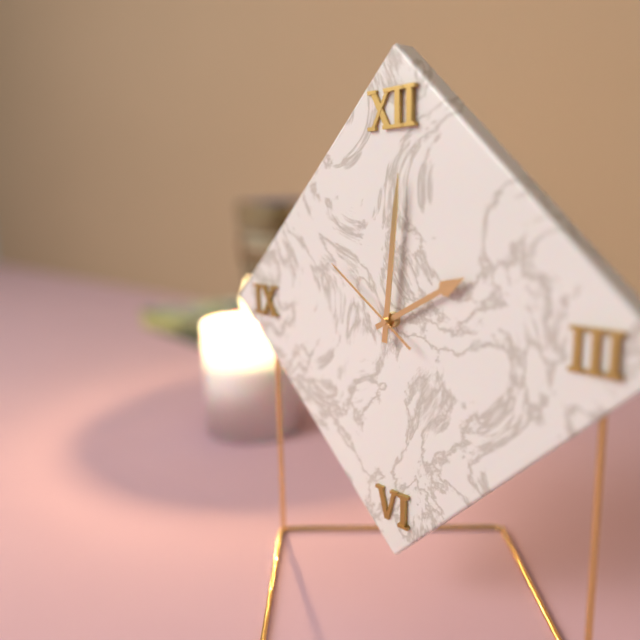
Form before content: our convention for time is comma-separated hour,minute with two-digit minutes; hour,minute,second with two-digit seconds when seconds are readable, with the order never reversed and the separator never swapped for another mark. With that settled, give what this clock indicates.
2,01,51
